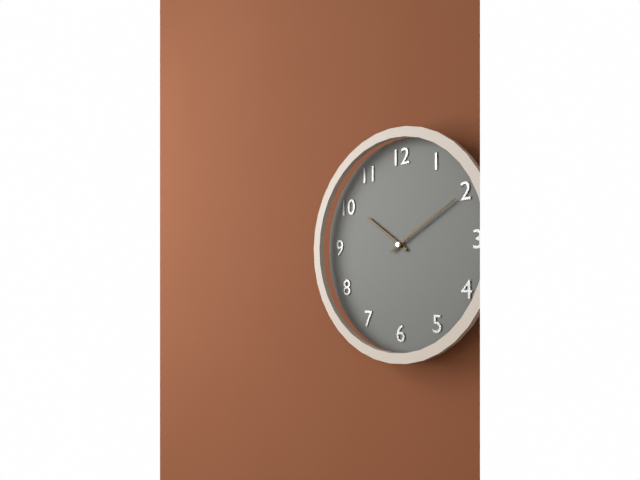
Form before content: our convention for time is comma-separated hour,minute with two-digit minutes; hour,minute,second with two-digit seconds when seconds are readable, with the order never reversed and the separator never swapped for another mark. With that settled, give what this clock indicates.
10,10
